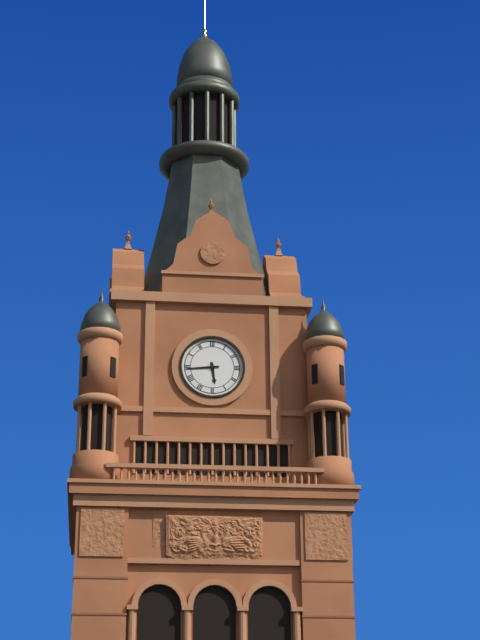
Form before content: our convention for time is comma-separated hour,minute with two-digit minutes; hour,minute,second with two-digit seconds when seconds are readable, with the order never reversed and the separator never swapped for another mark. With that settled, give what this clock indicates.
5,44
